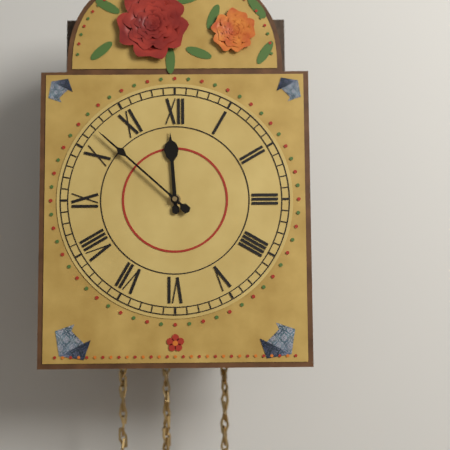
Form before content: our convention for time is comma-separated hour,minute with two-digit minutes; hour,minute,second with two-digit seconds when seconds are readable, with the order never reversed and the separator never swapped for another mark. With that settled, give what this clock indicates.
11,52
